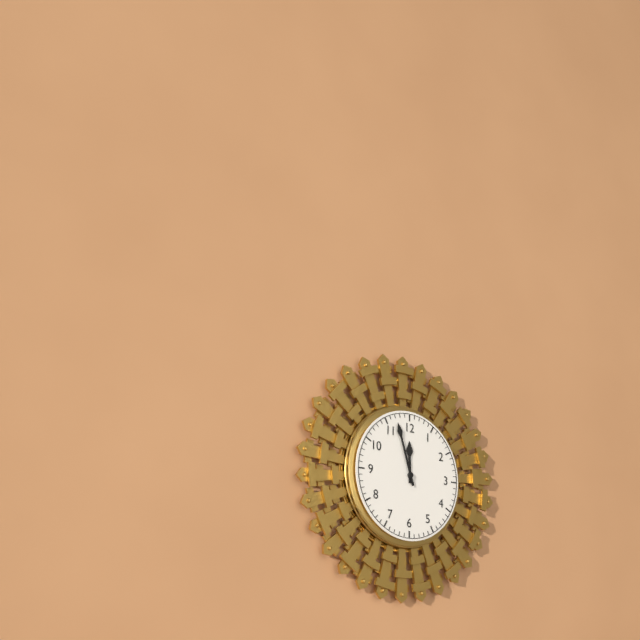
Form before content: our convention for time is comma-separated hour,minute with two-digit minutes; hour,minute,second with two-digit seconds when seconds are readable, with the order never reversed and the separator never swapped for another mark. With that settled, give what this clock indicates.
11,57
